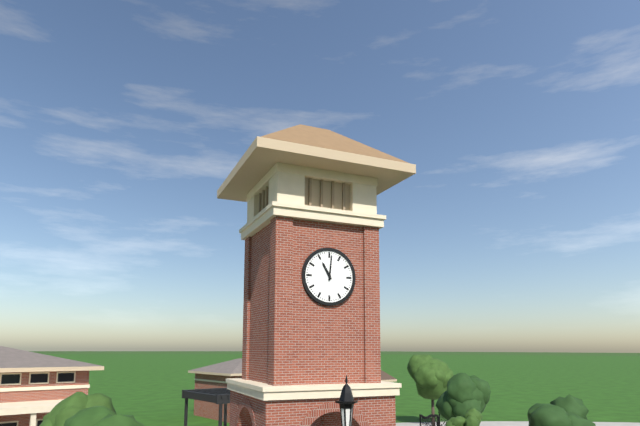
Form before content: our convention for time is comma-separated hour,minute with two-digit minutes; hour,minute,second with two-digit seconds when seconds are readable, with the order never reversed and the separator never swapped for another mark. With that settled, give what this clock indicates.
11,01
